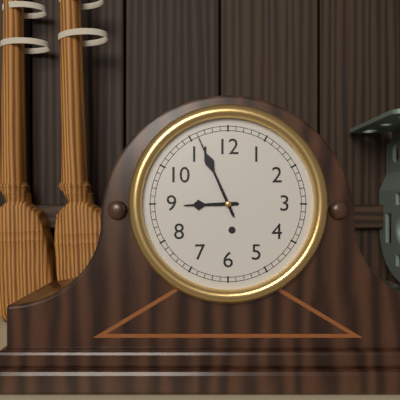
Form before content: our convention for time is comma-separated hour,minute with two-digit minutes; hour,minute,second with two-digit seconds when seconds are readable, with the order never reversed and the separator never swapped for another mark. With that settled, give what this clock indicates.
8,56
